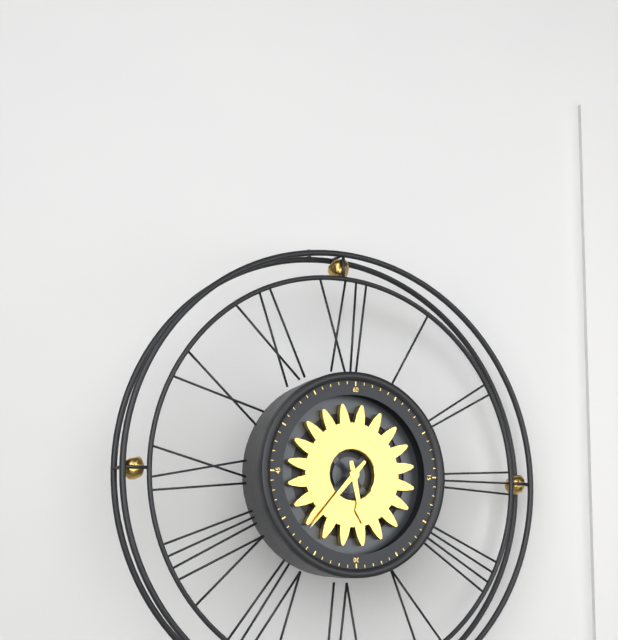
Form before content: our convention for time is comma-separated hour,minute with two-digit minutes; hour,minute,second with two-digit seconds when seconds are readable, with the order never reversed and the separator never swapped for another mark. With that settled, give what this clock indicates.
5,37
